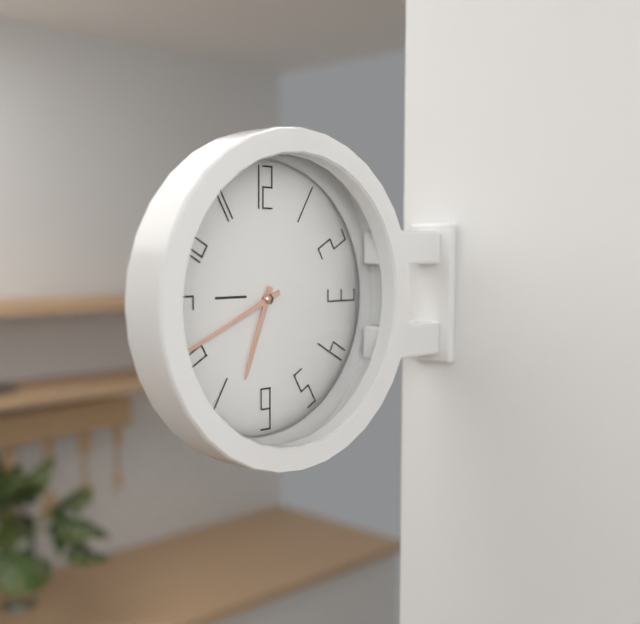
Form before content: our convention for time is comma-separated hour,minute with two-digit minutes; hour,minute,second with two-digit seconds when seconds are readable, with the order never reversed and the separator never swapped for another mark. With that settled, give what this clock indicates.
6,41
